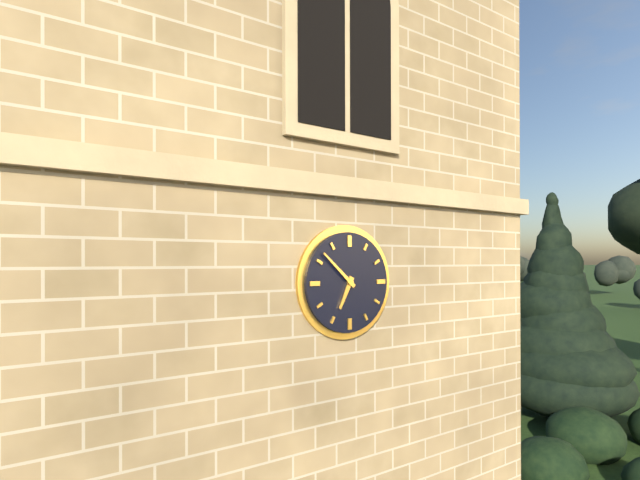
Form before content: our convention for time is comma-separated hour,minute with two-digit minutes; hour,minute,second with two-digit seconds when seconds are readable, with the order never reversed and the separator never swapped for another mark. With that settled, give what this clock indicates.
6,52
